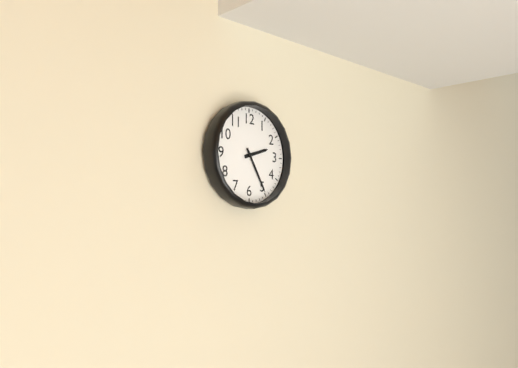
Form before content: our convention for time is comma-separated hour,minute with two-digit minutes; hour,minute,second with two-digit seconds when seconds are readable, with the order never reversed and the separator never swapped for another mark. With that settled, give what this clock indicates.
2,25
